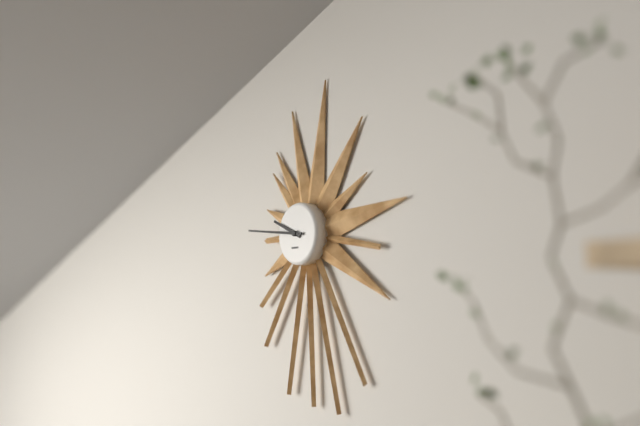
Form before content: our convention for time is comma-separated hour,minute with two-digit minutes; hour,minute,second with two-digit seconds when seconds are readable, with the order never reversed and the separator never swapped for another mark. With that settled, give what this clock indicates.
9,46
